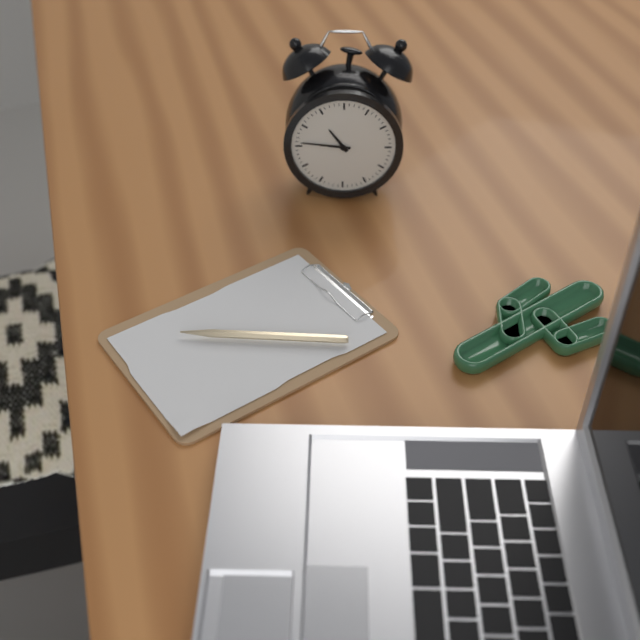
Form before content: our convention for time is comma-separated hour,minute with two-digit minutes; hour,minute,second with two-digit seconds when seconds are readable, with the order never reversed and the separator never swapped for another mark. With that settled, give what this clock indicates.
10,46
